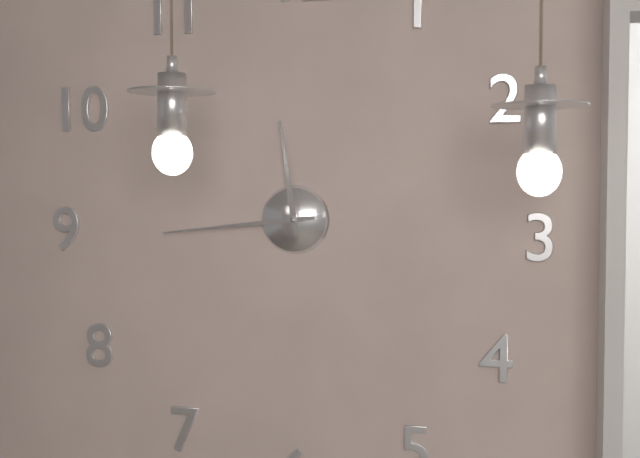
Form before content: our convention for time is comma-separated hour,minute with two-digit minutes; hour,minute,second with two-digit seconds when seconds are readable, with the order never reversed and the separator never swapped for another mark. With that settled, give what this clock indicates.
11,44
